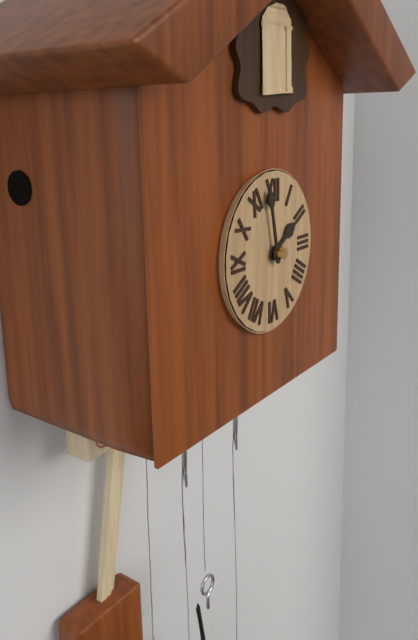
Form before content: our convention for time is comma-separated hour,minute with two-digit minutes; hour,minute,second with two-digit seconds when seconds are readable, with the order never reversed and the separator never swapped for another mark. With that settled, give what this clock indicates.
1,58
